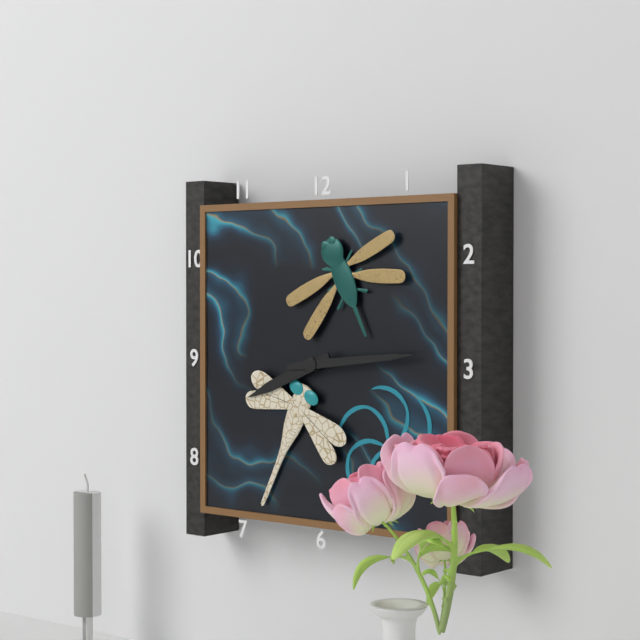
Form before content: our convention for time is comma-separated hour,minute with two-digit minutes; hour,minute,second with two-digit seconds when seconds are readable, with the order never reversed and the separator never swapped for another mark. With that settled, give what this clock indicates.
8,14
